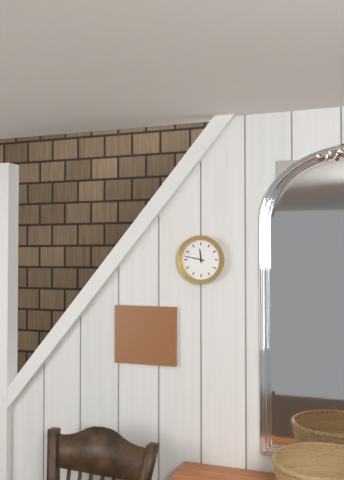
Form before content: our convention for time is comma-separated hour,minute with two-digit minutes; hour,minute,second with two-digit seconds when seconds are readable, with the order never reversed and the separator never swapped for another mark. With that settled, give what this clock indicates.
11,47
